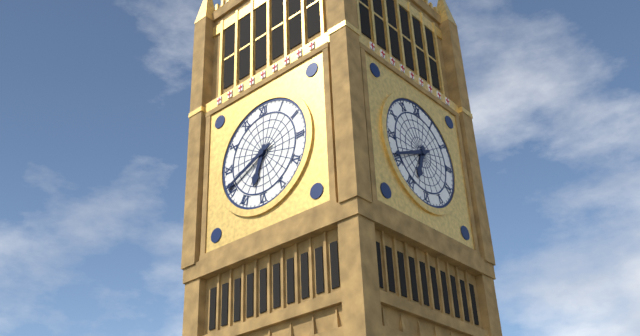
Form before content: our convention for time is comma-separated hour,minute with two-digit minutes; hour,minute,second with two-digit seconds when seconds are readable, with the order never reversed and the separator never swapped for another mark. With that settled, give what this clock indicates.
6,41
